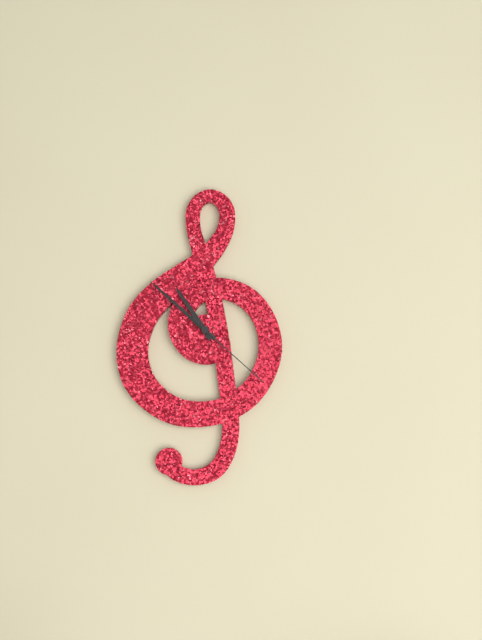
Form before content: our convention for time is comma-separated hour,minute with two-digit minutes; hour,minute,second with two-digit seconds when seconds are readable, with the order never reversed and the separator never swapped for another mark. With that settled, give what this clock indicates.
10,52,22
